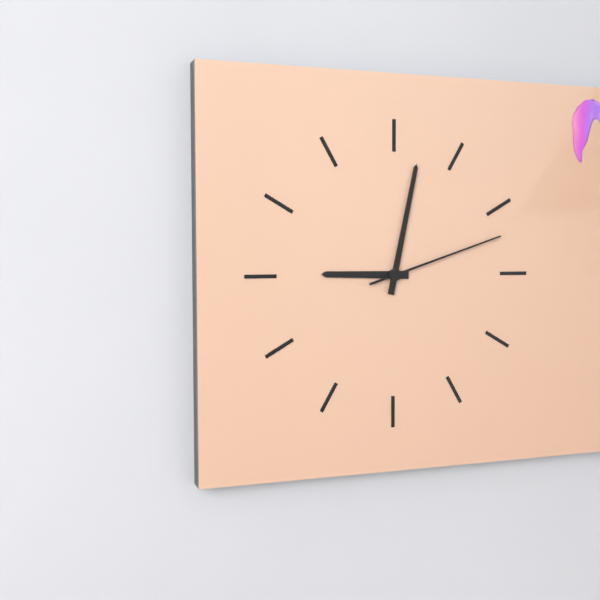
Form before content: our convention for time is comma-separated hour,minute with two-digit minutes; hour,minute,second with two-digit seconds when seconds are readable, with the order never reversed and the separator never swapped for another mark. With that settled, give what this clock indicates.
9,02,12
